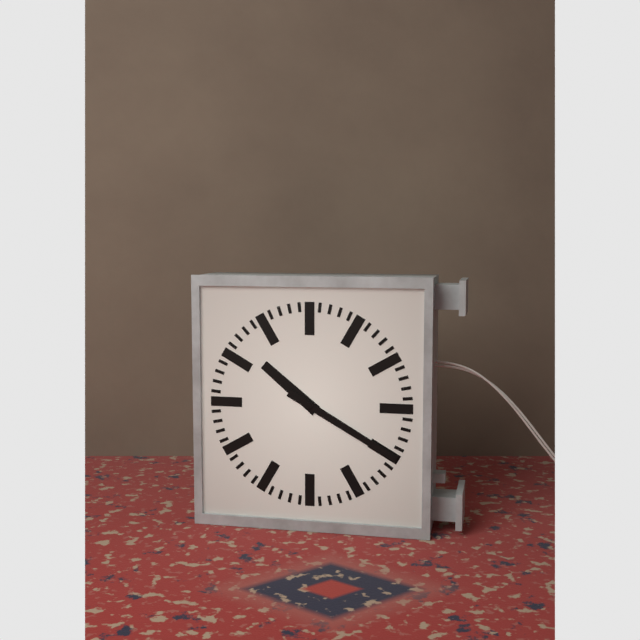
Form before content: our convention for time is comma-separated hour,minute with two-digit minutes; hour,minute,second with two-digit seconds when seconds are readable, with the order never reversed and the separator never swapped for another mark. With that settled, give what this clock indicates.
10,20
